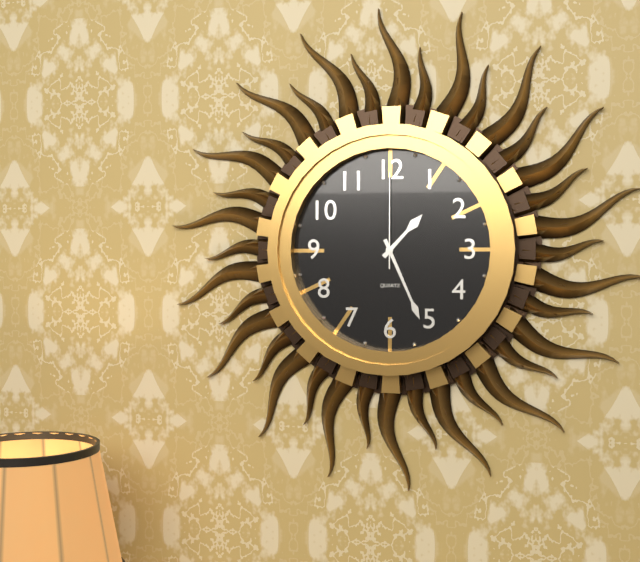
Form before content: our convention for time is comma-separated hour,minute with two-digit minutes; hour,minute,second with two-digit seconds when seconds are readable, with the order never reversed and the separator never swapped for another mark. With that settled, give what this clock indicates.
1,26,00
